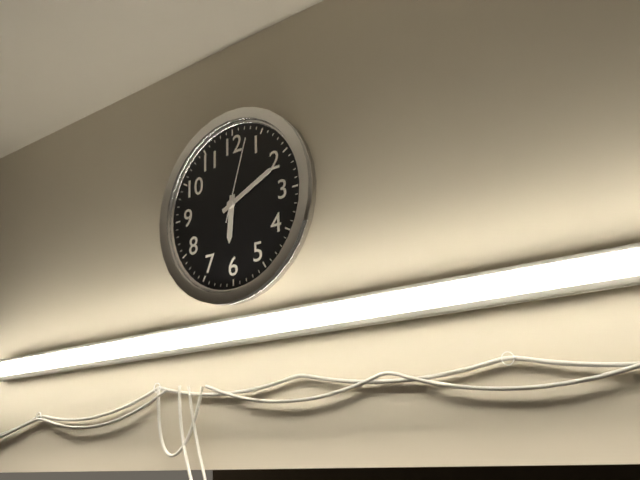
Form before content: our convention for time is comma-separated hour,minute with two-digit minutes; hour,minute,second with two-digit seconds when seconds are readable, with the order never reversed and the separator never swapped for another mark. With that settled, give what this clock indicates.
6,11,03
